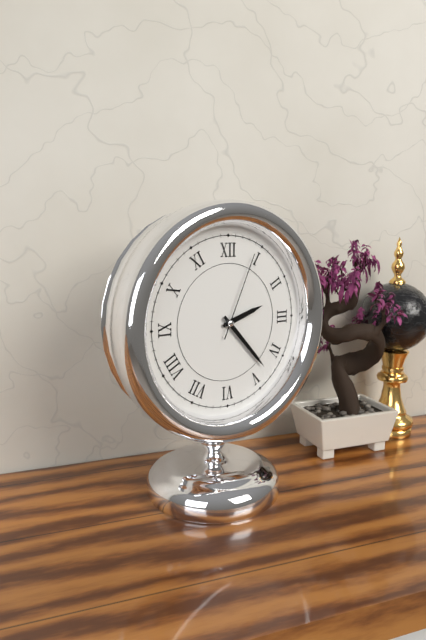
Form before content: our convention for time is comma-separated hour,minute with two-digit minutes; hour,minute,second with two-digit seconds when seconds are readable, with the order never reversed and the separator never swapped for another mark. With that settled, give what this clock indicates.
2,23,04
